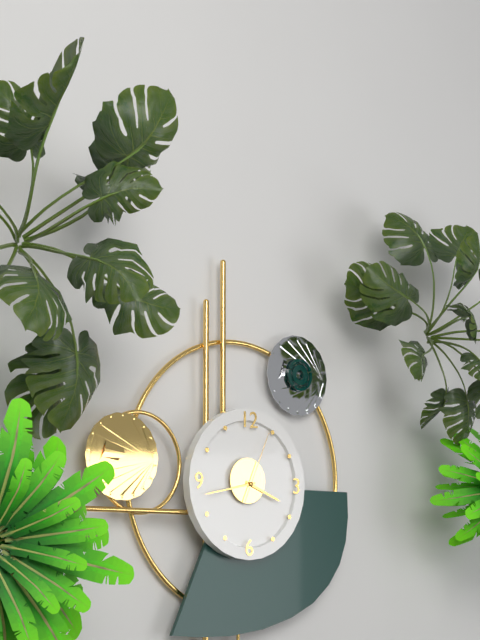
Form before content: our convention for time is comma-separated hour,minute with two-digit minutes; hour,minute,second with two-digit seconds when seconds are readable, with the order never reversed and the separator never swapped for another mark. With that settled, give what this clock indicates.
3,43,04
